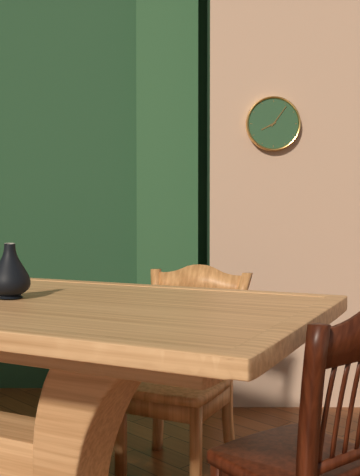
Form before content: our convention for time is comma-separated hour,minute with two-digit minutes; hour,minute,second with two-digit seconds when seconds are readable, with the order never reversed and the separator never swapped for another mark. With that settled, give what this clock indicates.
8,06
